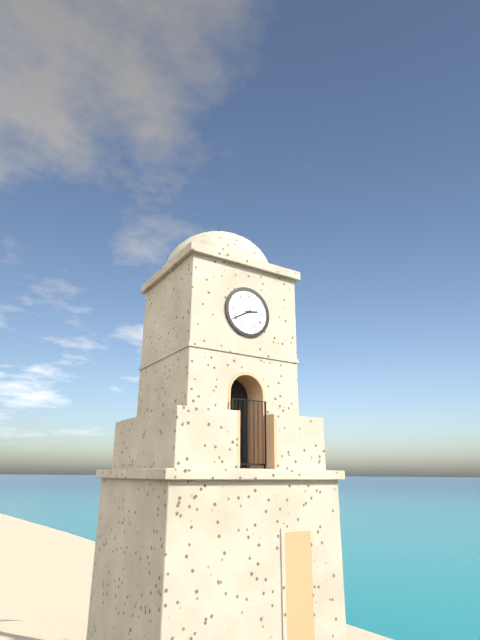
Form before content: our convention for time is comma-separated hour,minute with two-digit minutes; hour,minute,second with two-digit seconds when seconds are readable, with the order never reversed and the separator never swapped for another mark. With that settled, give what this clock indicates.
2,40
